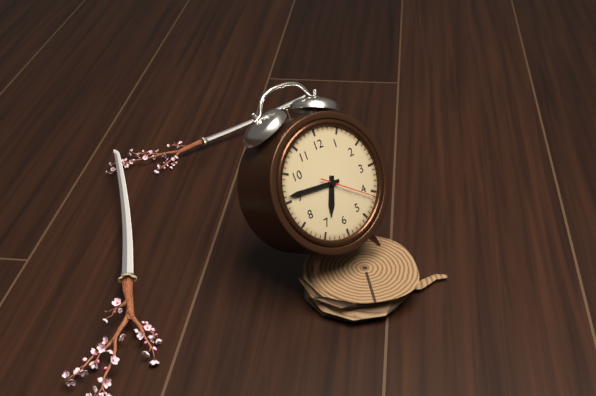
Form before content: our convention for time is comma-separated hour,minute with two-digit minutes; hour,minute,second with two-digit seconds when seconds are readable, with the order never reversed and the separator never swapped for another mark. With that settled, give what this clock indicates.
6,46,21
